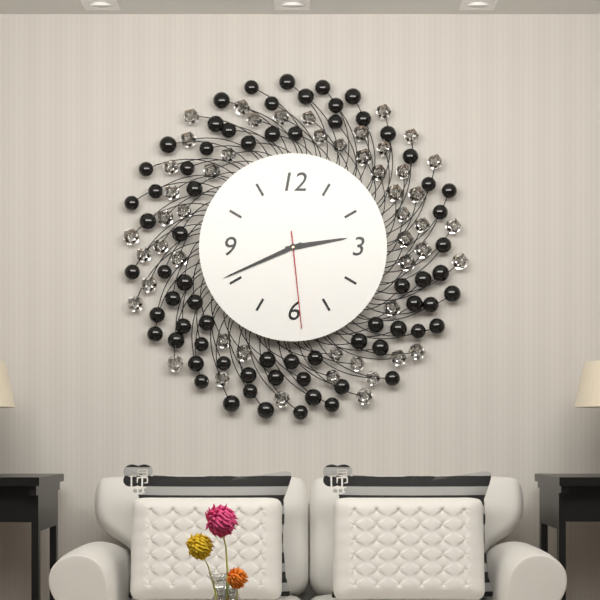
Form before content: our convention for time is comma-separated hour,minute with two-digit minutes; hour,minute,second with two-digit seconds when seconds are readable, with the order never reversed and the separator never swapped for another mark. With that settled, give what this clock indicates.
2,41,29
